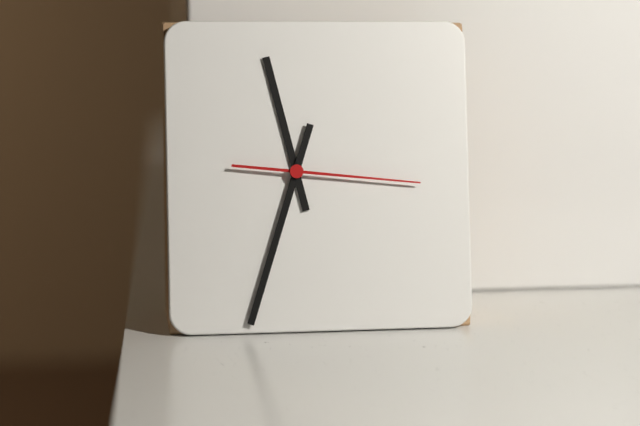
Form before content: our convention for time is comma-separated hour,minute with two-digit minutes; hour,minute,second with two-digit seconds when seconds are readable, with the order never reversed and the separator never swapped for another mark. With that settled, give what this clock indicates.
11,33,16
